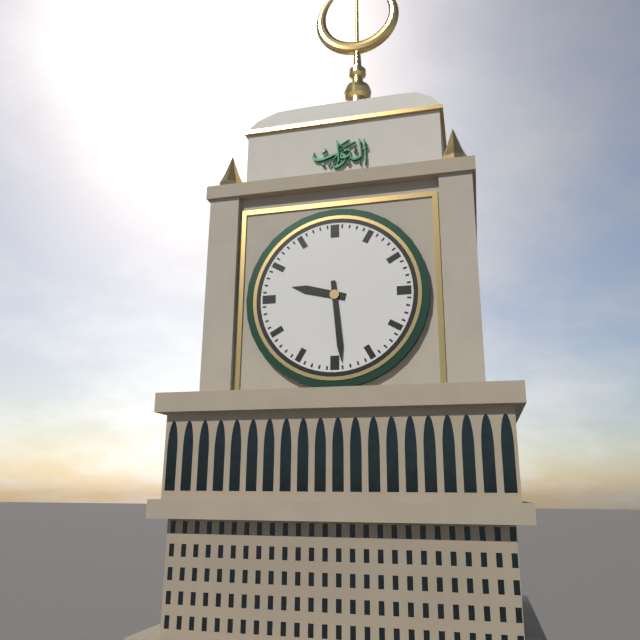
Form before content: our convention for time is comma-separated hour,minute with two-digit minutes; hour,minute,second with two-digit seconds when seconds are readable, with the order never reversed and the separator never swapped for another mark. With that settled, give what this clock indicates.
9,29
